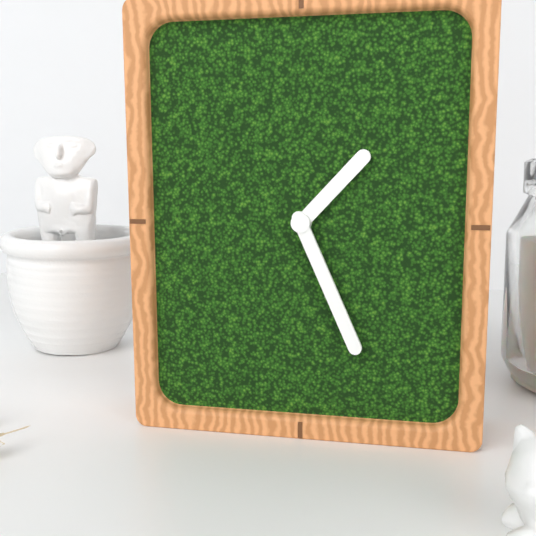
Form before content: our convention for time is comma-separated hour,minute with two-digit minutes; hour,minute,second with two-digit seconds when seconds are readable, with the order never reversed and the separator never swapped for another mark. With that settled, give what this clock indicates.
1,26
